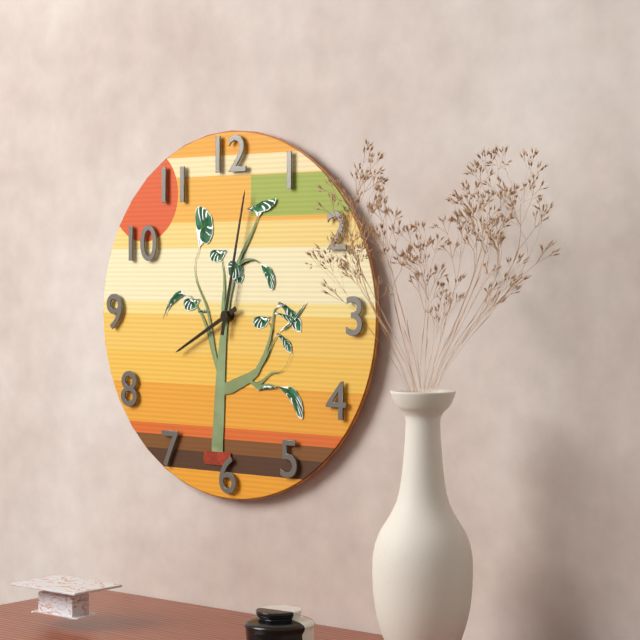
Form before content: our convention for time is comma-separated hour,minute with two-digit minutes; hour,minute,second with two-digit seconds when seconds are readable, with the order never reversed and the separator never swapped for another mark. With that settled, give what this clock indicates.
8,02
